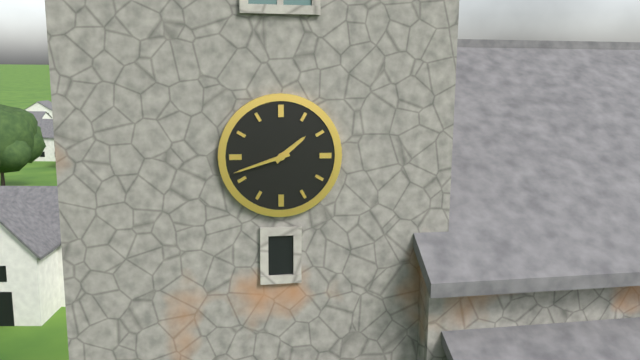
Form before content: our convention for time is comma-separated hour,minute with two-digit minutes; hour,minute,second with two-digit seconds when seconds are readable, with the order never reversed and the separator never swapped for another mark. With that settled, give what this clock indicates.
1,42
